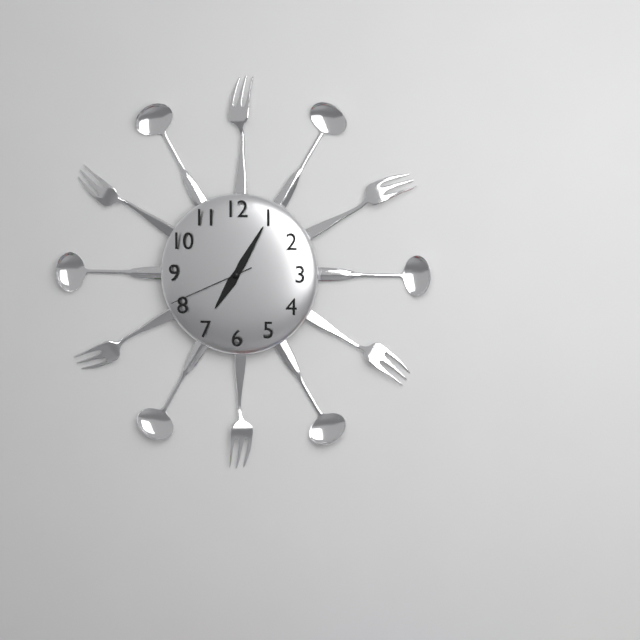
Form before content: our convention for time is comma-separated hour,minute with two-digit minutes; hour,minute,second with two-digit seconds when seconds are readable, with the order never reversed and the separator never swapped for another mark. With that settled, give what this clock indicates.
7,05,41
